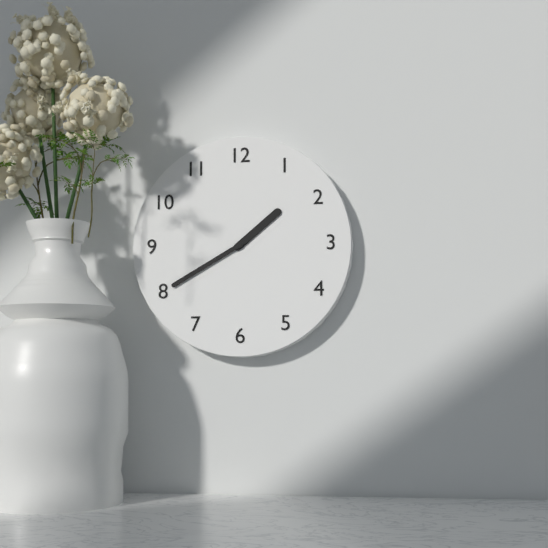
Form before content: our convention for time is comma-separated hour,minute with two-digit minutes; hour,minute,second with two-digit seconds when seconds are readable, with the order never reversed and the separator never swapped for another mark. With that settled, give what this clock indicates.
1,40
